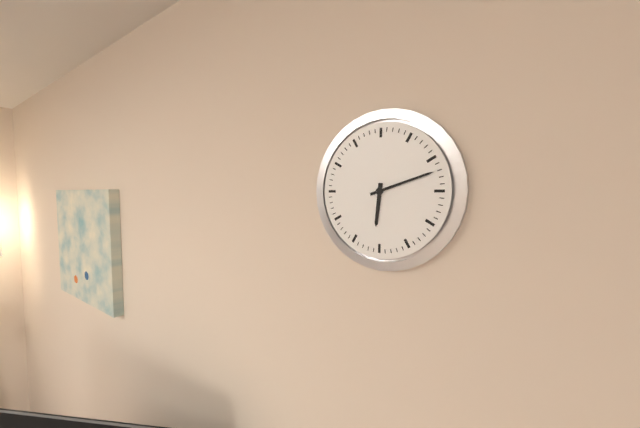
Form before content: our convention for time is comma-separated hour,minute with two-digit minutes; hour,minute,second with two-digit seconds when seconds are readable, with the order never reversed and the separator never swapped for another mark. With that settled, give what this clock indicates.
6,12
